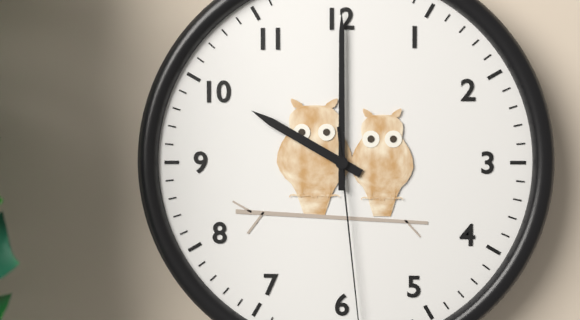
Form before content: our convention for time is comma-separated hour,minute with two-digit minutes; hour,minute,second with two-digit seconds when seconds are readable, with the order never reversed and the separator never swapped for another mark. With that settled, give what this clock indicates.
10,00
